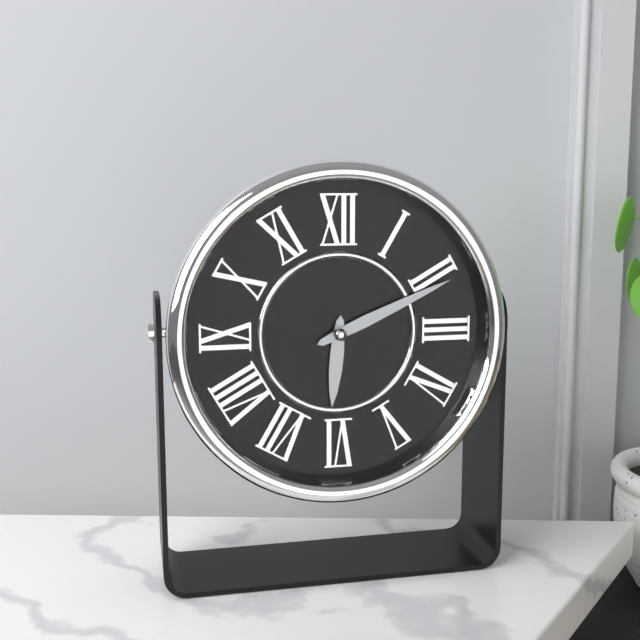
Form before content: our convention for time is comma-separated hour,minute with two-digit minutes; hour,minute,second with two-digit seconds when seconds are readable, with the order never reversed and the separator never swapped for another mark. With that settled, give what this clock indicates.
6,11
